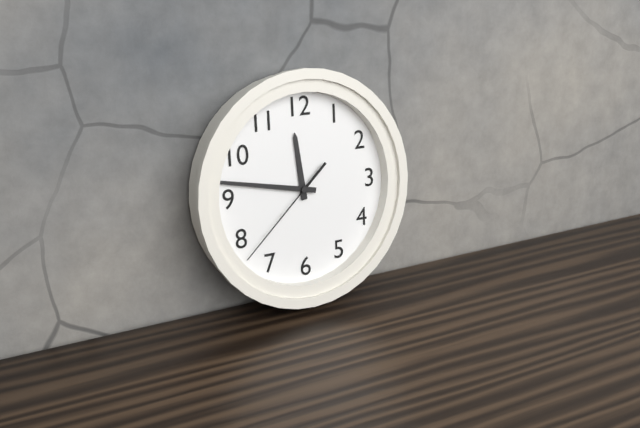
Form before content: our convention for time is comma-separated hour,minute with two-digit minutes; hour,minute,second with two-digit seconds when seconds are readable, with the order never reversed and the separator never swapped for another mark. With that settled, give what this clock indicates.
11,47,38
